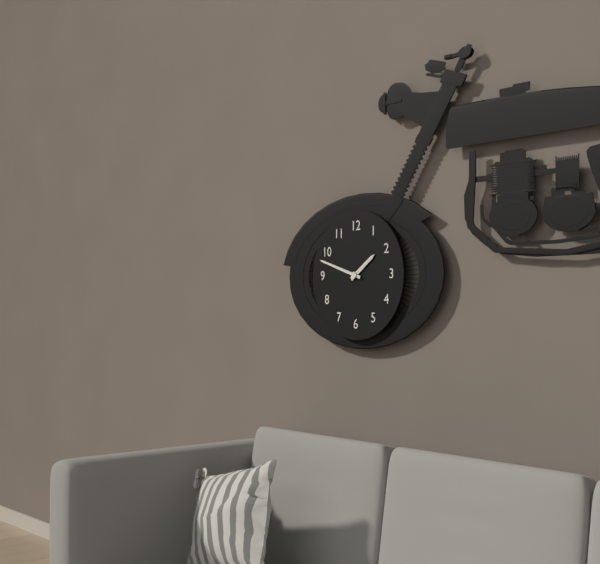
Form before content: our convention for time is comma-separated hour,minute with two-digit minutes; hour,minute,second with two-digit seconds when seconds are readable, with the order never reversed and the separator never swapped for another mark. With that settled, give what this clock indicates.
1,48
